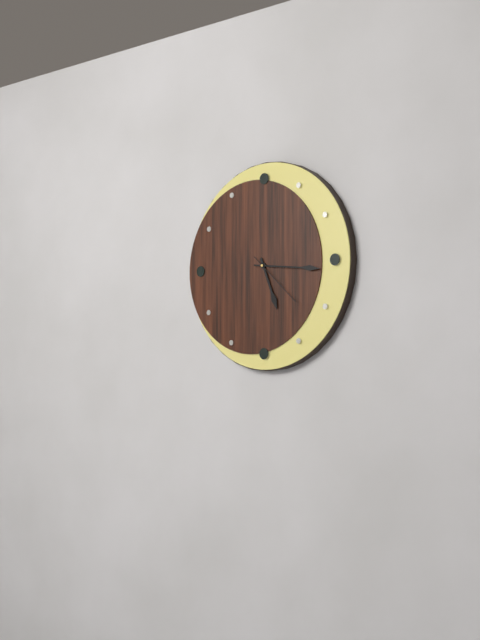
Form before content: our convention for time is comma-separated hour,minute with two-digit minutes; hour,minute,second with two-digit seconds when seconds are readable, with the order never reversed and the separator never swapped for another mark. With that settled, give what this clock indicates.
5,16,22
